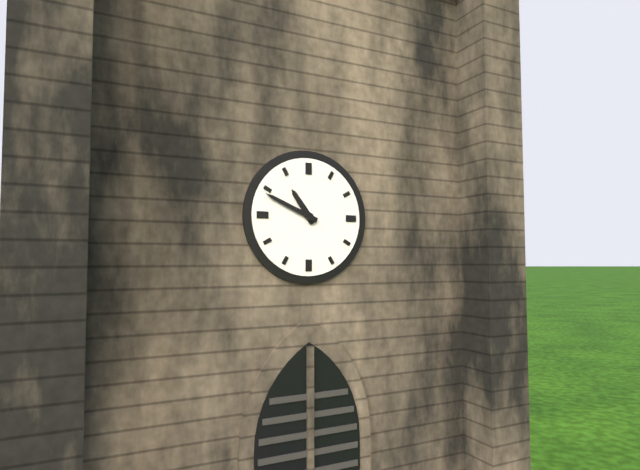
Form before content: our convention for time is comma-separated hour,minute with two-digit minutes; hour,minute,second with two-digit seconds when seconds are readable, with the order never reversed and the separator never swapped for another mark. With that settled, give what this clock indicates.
10,49
